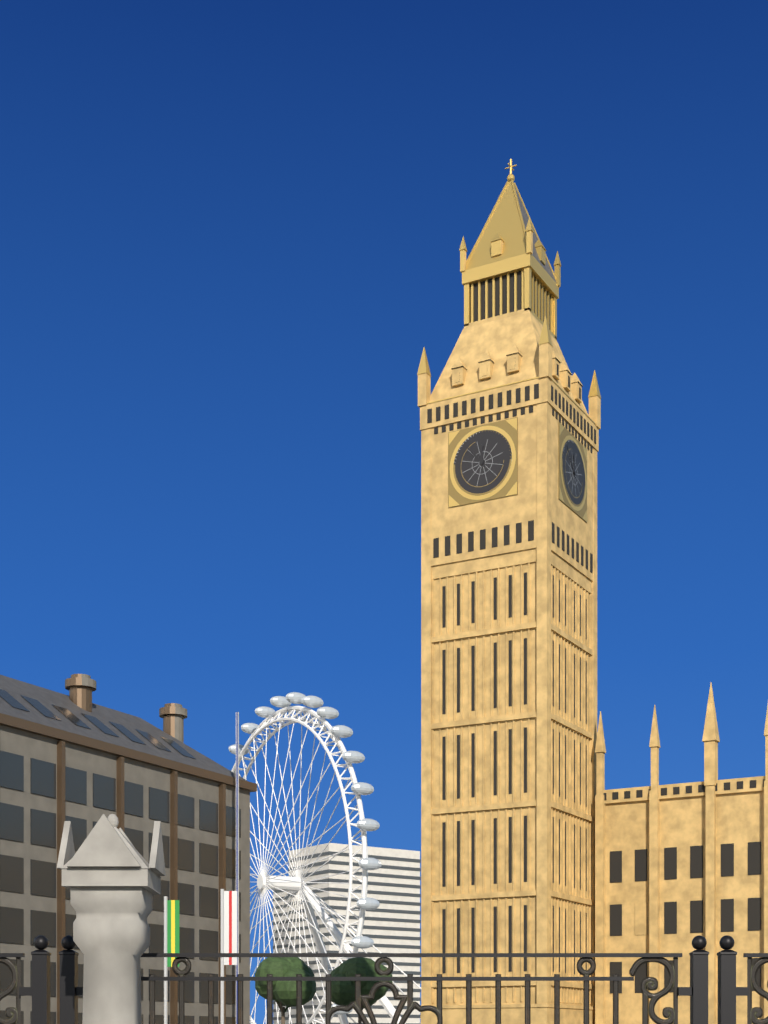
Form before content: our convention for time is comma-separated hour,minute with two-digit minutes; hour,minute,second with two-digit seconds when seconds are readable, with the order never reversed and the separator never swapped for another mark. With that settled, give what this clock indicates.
11,53
